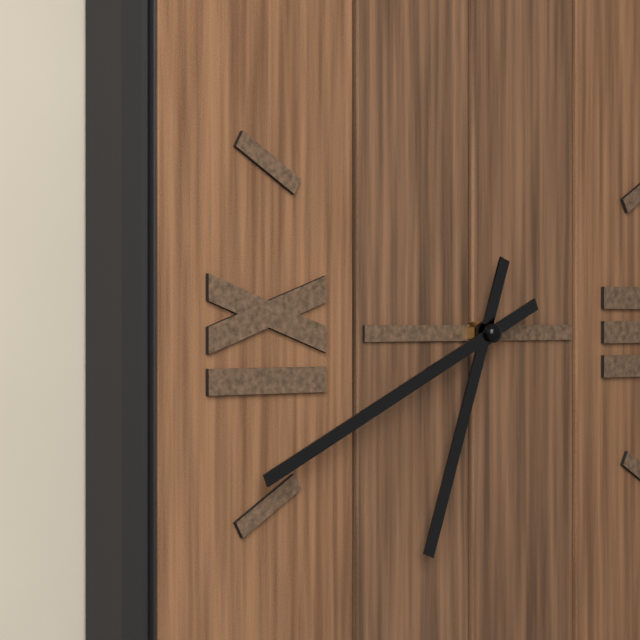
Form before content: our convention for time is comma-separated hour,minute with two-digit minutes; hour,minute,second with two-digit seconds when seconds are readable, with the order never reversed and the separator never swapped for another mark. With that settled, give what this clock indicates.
6,41
